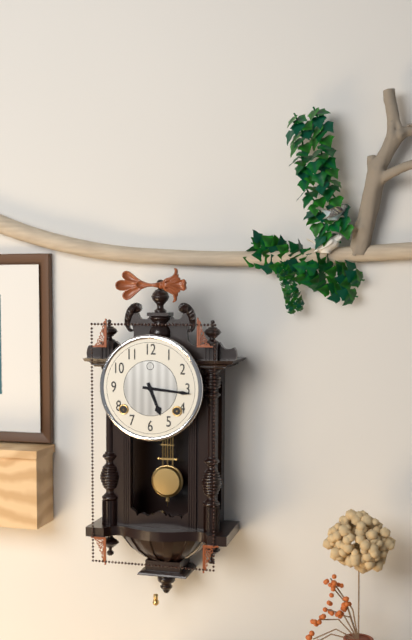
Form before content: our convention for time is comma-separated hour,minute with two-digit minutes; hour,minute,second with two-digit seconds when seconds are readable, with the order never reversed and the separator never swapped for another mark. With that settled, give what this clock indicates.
5,16
